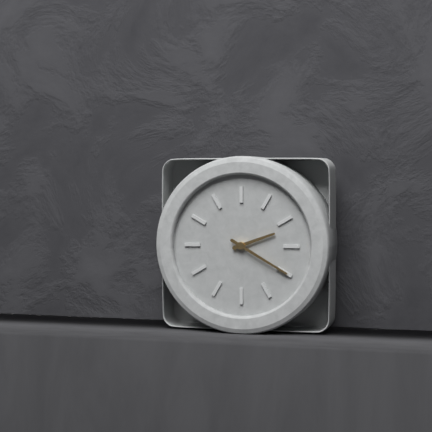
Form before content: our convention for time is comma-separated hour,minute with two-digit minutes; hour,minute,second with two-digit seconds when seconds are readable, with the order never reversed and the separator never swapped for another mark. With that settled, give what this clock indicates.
2,20
